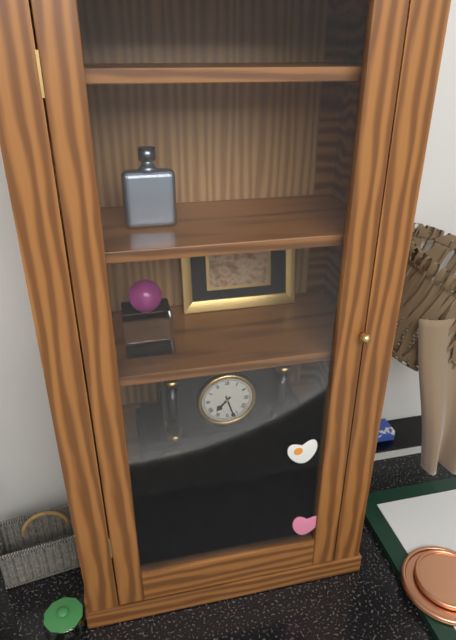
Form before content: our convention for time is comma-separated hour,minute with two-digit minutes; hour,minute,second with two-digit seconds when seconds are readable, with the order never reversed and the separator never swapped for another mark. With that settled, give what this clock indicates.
7,27
